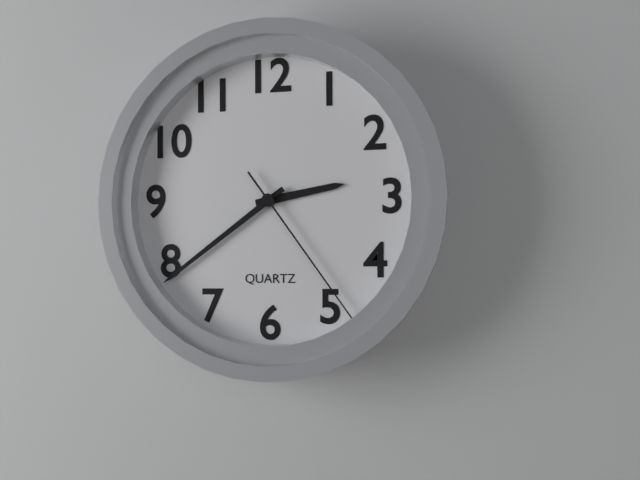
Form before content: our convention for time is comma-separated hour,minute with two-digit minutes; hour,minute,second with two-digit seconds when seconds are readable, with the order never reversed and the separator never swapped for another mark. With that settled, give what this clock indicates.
2,39,24
